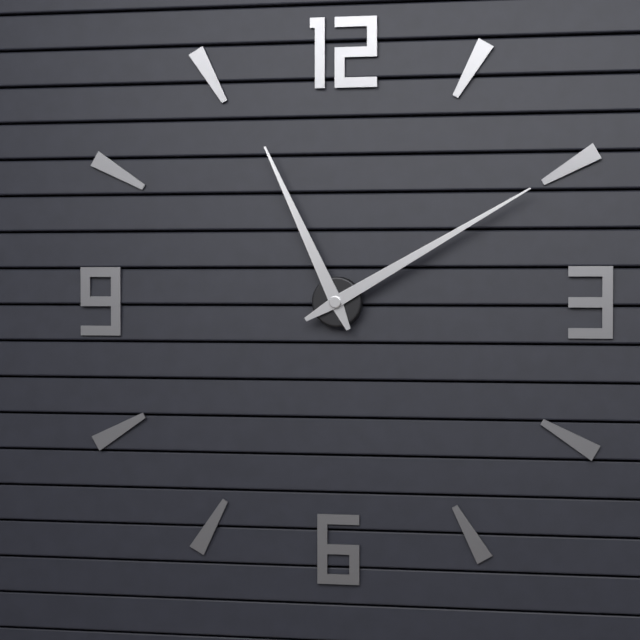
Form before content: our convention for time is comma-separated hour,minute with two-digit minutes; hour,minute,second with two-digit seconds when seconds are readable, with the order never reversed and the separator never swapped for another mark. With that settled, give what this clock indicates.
11,10
